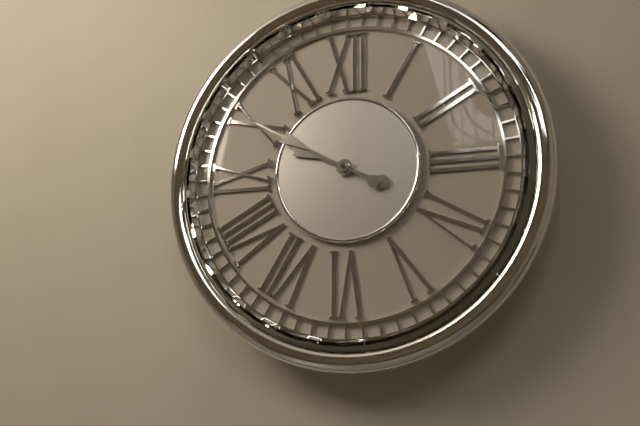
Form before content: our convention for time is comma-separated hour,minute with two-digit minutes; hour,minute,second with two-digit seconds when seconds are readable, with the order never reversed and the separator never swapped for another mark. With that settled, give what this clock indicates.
9,50
